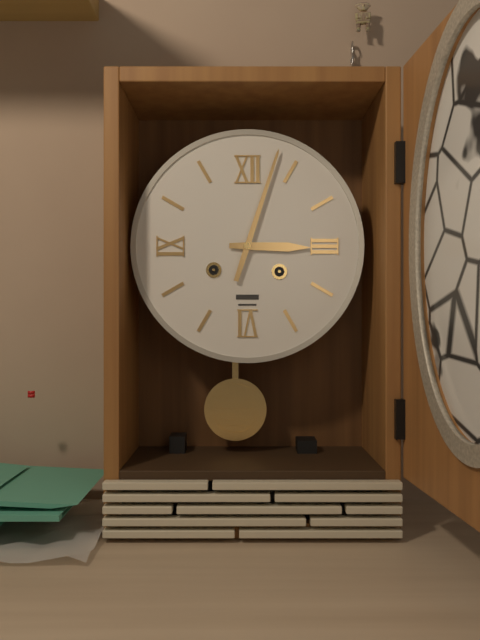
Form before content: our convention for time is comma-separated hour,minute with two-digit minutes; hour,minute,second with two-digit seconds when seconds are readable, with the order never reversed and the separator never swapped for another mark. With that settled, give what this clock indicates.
3,03
